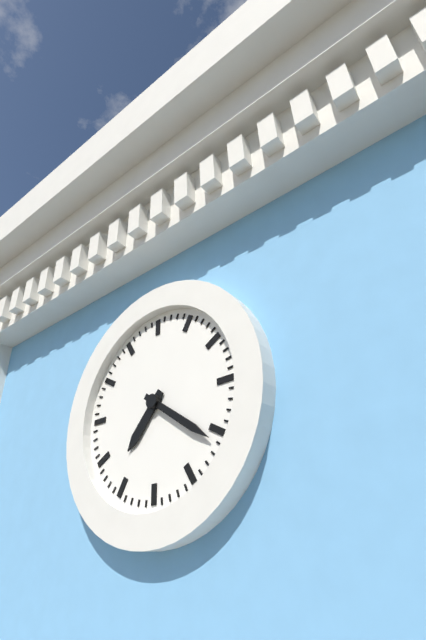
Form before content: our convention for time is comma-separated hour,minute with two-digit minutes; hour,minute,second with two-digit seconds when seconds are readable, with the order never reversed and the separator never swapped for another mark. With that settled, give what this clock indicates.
7,21
